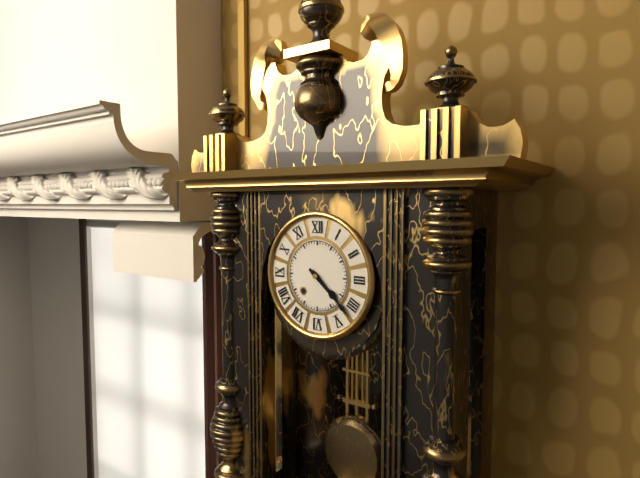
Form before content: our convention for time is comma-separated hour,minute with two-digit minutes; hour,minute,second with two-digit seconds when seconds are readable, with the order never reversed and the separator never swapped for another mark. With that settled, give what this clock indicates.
4,22
